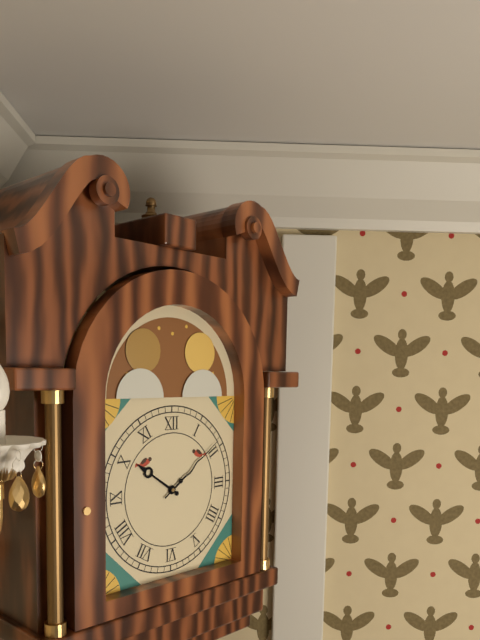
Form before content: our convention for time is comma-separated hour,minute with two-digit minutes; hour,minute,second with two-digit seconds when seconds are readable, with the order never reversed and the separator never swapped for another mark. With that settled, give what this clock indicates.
10,09
